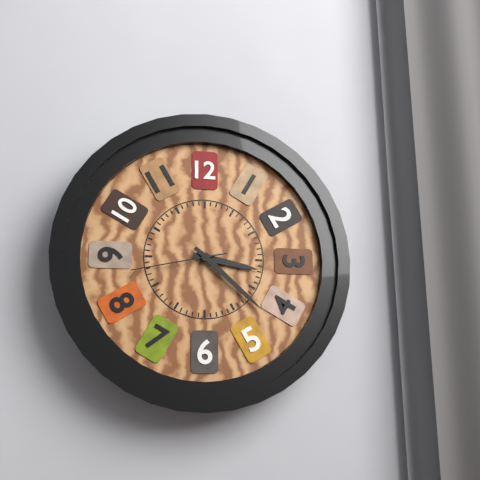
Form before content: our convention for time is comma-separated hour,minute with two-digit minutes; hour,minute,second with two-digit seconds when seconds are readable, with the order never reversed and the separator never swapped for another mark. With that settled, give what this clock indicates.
3,22,43
